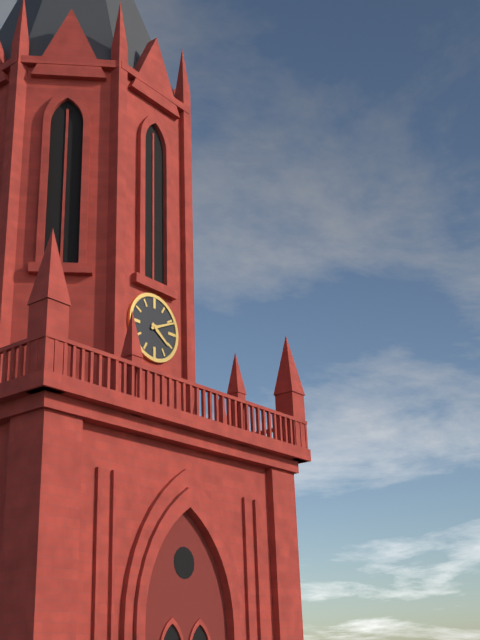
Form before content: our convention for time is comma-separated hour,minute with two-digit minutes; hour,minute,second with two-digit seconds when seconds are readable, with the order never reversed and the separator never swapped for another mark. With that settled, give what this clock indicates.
4,11
